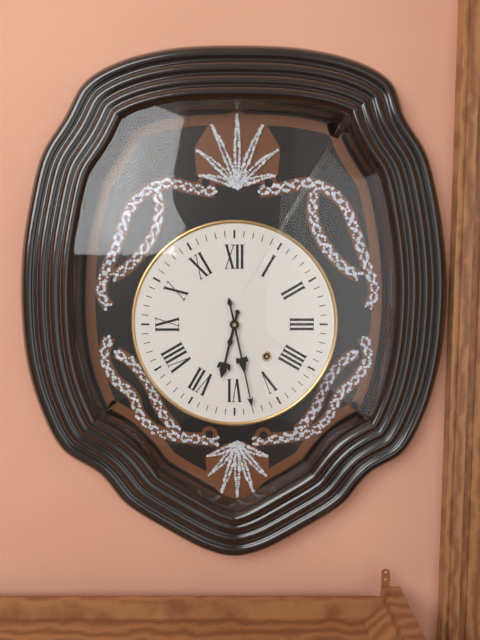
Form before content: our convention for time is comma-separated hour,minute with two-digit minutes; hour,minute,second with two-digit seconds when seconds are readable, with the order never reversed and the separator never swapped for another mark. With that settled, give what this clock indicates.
6,28
